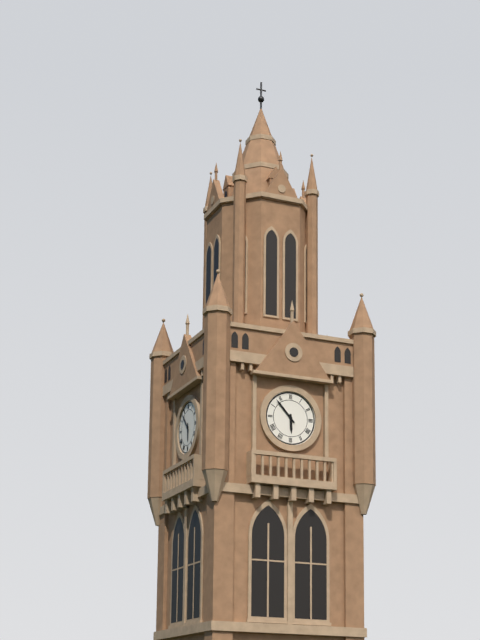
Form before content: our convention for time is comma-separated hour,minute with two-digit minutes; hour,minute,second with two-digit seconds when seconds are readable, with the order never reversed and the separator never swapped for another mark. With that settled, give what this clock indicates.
5,53
